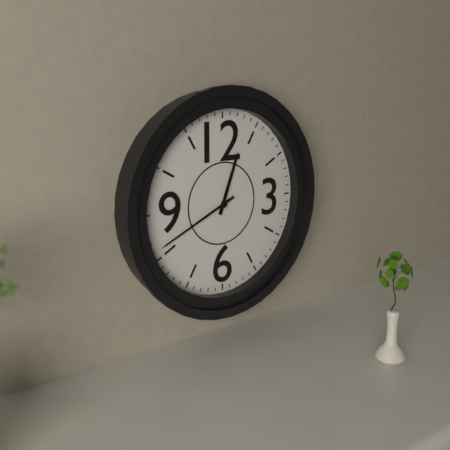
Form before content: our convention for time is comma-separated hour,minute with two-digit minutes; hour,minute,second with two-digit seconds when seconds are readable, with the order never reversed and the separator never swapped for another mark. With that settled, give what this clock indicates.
12,41
